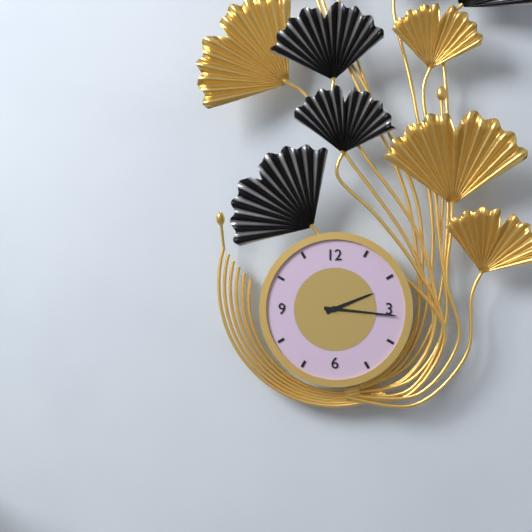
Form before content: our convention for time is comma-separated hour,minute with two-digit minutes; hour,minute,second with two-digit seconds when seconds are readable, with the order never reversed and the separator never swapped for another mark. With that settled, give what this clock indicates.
2,16
